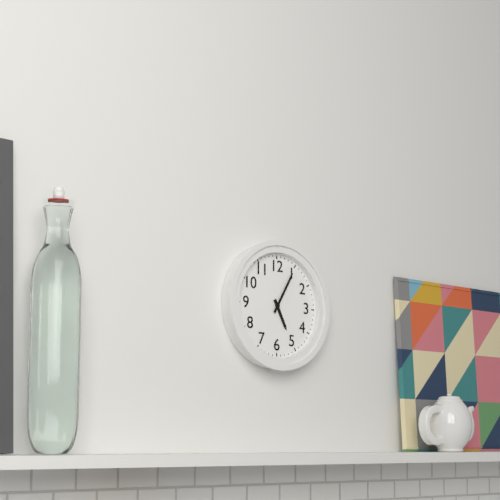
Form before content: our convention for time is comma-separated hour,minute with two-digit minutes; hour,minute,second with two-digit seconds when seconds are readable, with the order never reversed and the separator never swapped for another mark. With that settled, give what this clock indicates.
5,05
